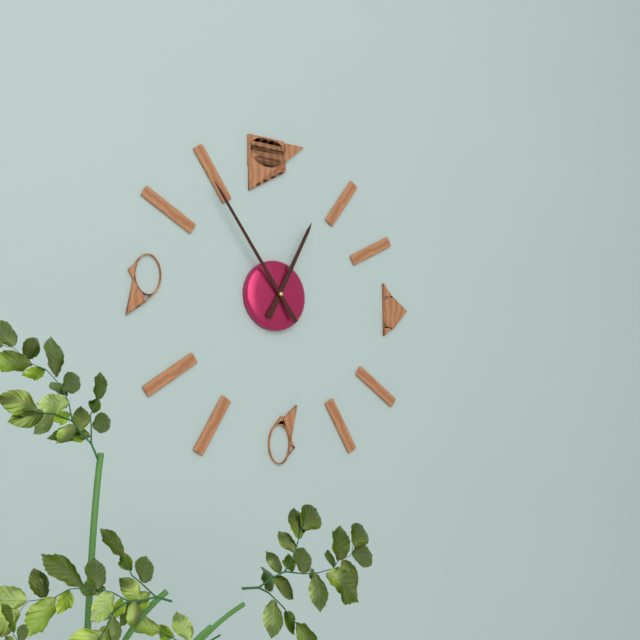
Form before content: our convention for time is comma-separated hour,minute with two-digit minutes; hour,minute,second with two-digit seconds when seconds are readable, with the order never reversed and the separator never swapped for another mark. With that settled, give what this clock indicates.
12,54
